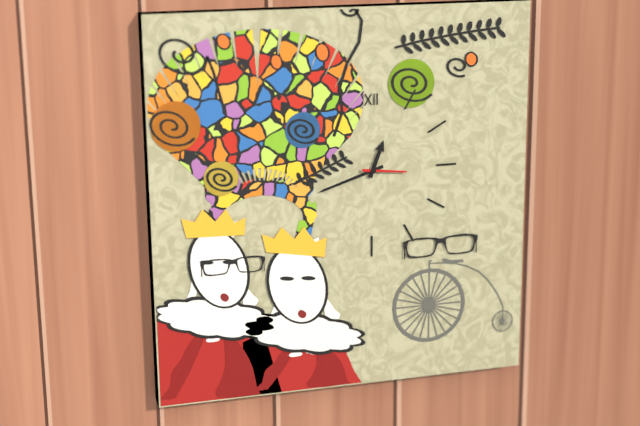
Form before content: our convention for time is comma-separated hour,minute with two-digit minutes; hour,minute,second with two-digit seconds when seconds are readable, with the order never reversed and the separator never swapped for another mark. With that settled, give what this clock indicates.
12,42
